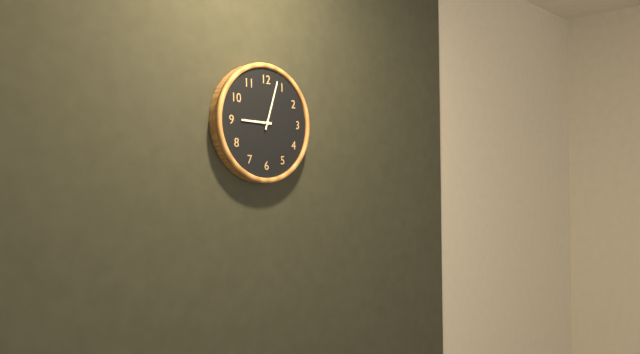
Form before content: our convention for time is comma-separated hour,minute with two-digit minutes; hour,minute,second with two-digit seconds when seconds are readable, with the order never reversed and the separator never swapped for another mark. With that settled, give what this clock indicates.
9,03
